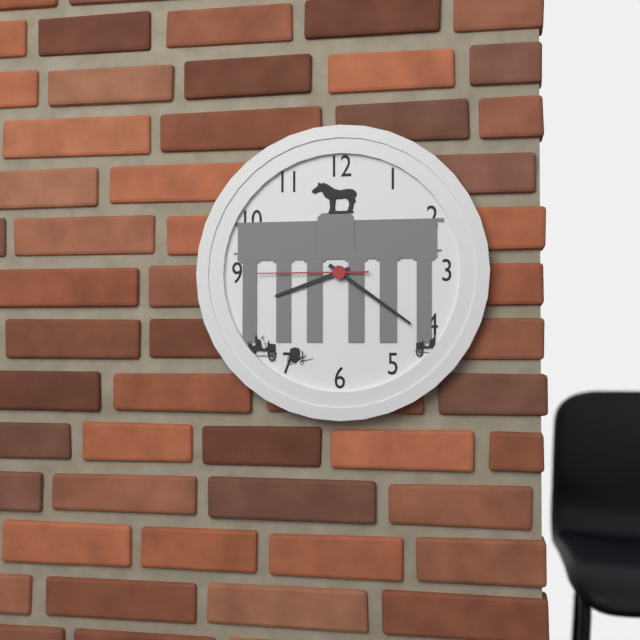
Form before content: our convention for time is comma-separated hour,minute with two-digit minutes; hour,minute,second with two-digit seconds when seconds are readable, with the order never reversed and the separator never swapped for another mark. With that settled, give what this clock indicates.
8,21,45
